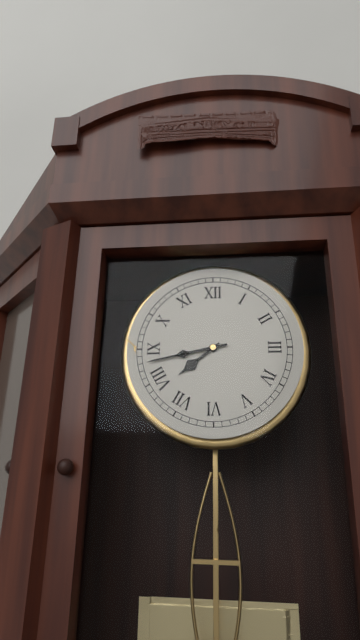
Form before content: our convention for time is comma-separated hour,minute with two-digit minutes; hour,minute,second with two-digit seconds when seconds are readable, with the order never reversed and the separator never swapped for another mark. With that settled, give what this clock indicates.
7,43
